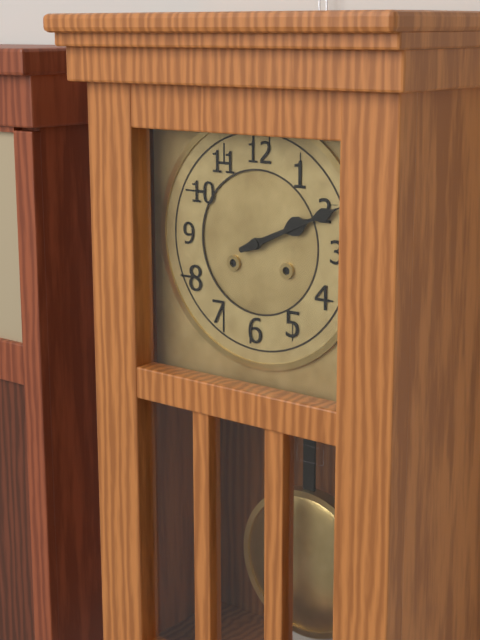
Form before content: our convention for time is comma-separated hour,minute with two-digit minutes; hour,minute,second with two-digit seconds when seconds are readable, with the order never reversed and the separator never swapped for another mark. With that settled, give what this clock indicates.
2,11
